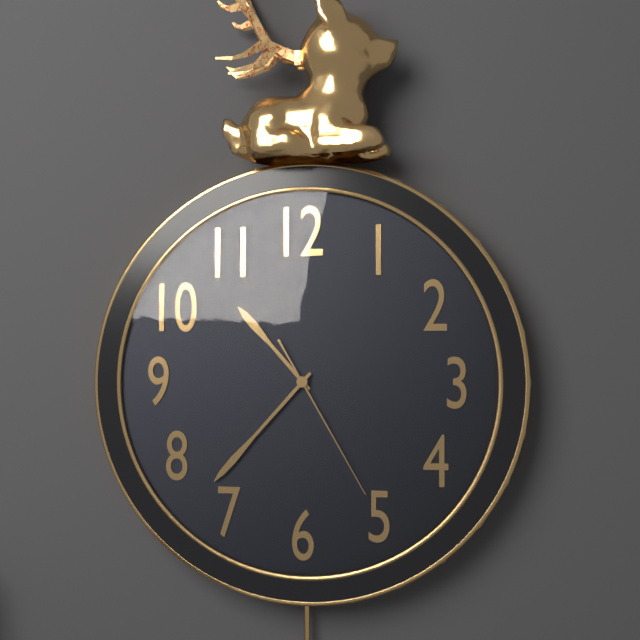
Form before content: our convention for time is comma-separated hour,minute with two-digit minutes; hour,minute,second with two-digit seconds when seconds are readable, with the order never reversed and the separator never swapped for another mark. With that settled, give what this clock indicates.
10,37,25
